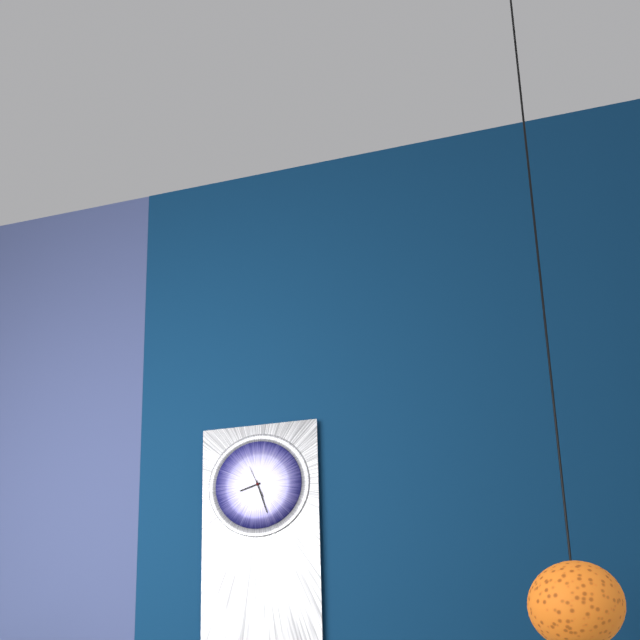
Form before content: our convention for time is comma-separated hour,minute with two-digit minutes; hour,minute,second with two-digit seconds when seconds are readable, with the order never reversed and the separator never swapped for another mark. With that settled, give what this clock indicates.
8,27
